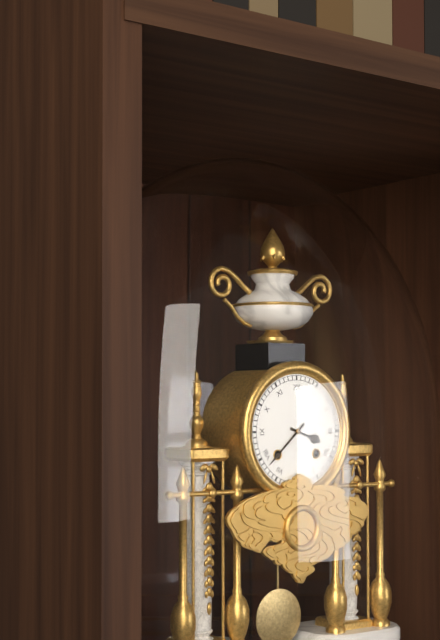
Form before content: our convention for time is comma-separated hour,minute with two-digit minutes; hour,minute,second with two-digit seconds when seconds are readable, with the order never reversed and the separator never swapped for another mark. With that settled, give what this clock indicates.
3,38
